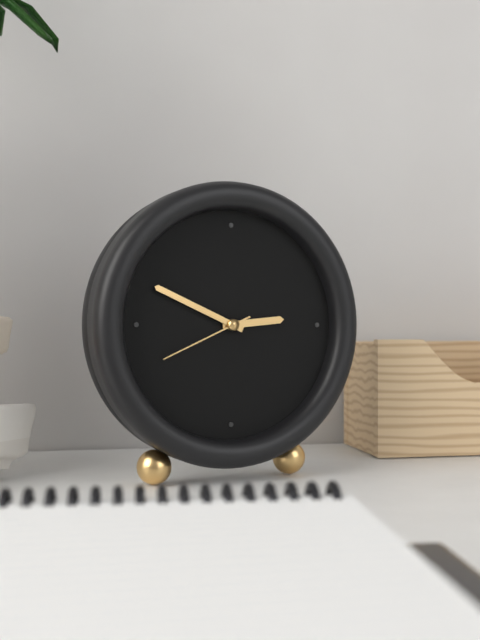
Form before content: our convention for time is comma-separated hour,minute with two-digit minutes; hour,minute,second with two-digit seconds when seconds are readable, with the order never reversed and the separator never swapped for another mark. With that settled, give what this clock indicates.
2,49,41
